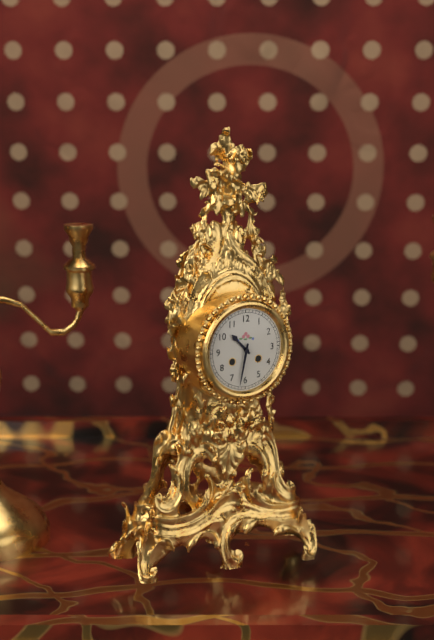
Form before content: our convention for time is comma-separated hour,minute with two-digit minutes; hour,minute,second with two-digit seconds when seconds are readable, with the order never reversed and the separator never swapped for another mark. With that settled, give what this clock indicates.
10,32
